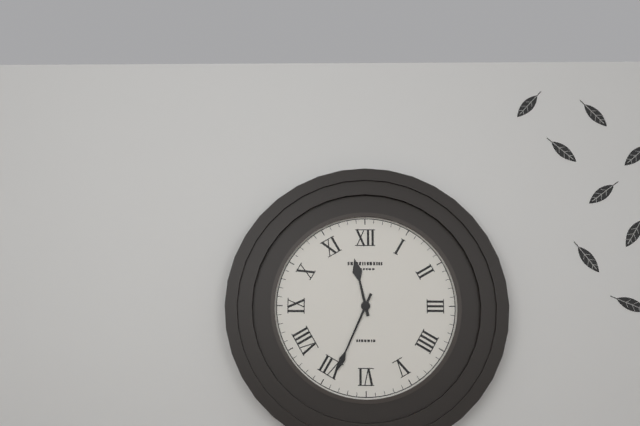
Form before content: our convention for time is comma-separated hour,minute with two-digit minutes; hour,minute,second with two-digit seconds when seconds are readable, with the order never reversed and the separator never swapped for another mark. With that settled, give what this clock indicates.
11,34
